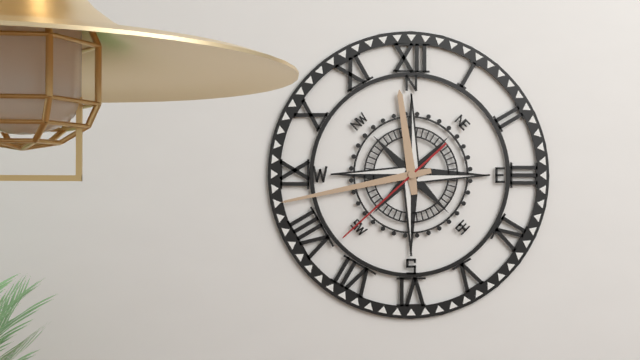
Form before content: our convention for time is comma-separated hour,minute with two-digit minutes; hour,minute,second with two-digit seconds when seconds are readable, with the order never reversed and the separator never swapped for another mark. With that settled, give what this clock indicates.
11,43,38
